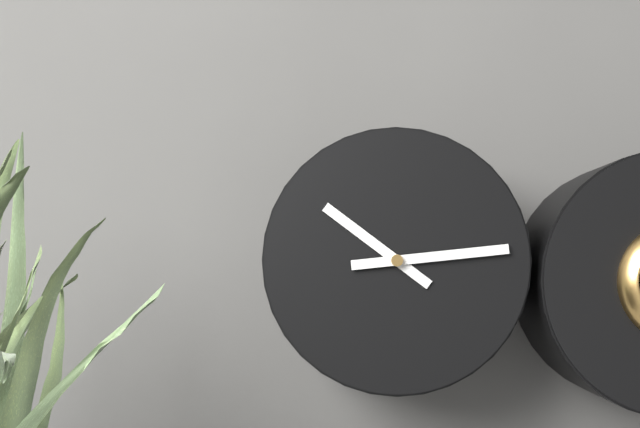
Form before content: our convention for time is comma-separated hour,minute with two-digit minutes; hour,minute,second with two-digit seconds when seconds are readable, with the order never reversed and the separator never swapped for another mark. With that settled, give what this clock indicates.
10,14
